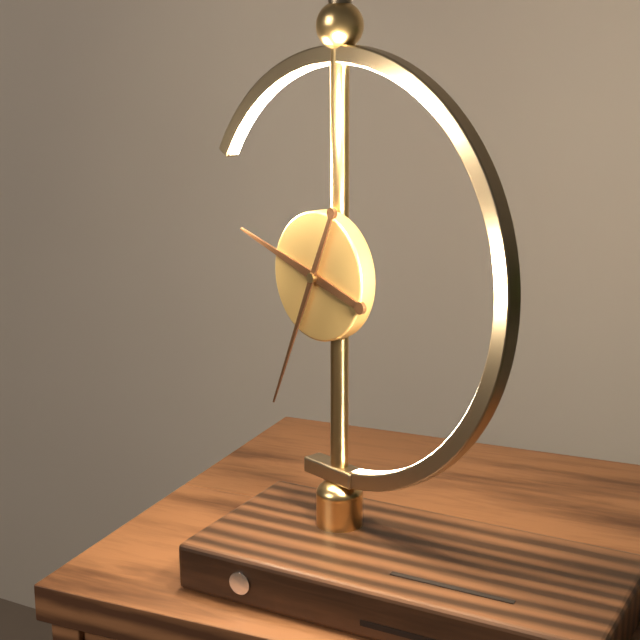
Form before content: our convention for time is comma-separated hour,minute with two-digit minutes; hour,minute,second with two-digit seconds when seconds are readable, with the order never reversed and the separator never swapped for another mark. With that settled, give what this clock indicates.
9,34
